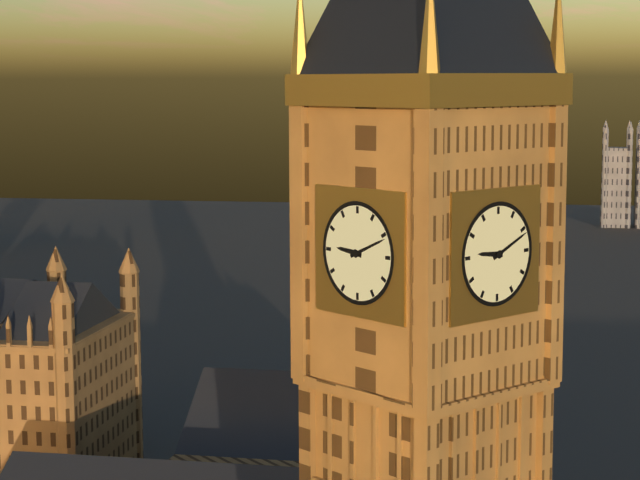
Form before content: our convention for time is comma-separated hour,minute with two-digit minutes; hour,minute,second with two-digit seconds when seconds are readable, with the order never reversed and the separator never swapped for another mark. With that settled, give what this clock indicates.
9,11
